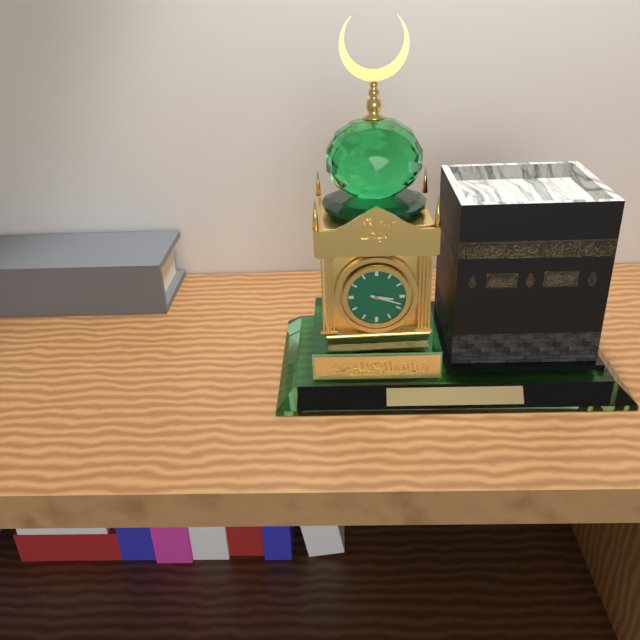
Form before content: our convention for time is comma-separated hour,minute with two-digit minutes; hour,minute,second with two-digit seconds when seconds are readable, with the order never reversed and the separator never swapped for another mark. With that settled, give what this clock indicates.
3,18
